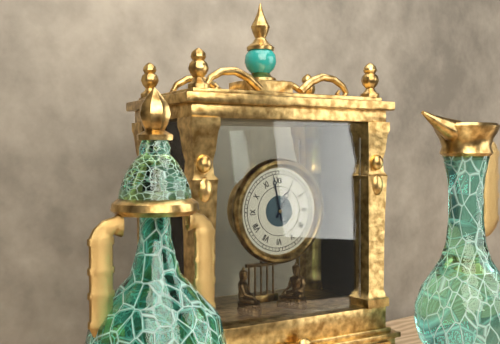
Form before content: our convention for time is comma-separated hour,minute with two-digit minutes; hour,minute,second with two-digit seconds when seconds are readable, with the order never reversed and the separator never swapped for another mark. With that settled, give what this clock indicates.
12,58
